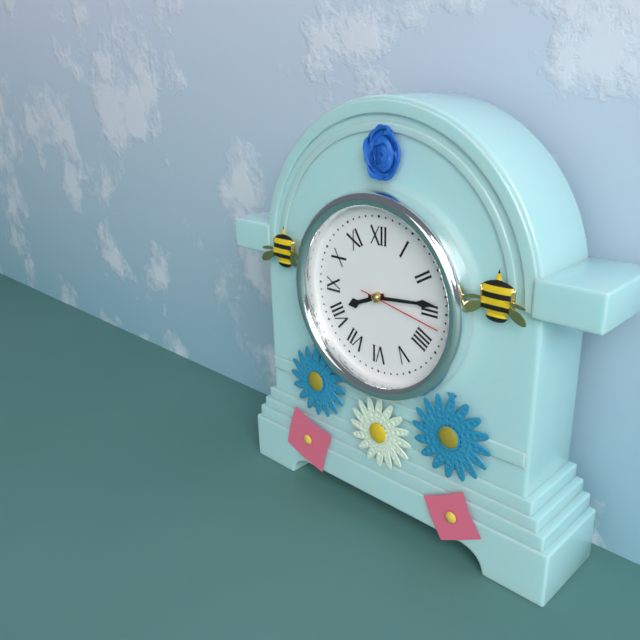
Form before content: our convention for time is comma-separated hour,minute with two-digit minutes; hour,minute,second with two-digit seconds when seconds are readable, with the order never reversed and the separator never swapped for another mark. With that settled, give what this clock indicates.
8,14,17
